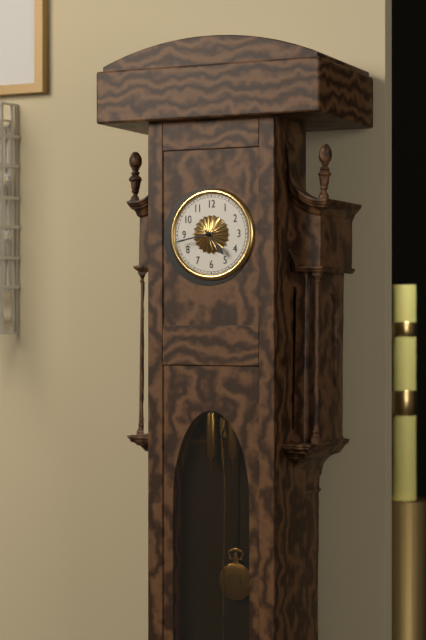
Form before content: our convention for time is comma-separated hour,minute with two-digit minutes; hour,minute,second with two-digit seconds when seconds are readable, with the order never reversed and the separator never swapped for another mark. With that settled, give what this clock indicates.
4,43
